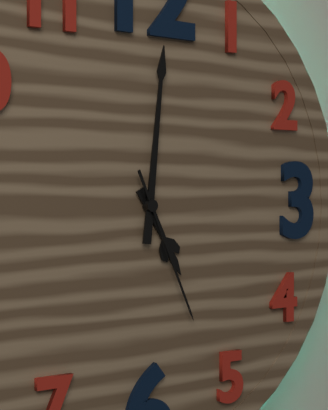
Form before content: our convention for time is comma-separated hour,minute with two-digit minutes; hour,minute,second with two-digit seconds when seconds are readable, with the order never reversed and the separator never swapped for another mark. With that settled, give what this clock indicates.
5,01,26
